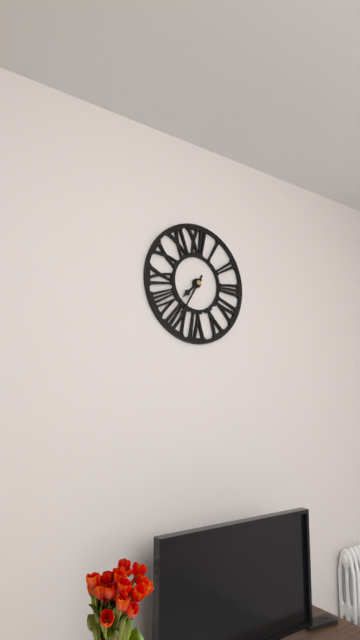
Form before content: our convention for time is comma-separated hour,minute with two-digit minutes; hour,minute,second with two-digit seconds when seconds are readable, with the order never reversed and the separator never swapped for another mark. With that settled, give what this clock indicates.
7,35
